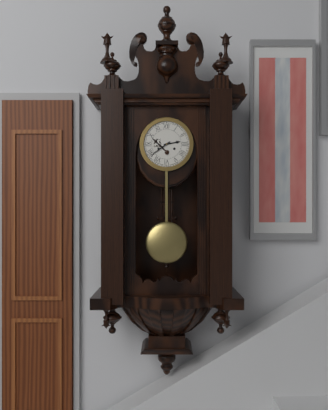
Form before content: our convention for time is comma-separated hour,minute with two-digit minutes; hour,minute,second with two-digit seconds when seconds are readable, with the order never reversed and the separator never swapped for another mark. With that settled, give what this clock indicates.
2,39
